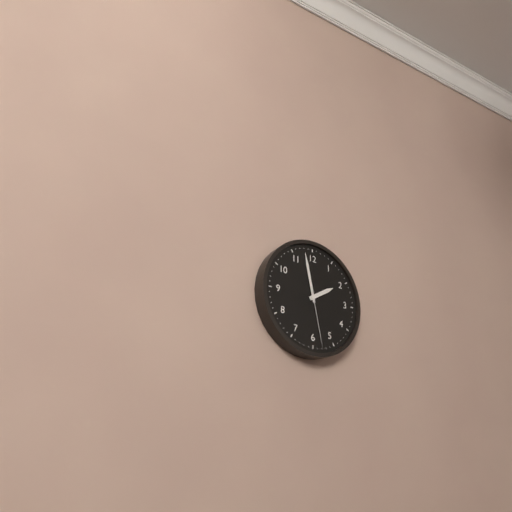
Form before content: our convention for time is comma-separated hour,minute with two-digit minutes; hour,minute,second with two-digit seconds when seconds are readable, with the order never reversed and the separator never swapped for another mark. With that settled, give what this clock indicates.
1,58,28
